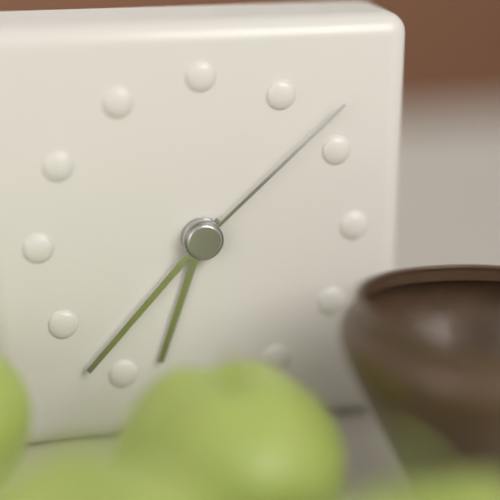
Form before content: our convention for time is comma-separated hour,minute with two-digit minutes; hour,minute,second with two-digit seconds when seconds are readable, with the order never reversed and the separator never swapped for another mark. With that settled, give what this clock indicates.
6,37,08
